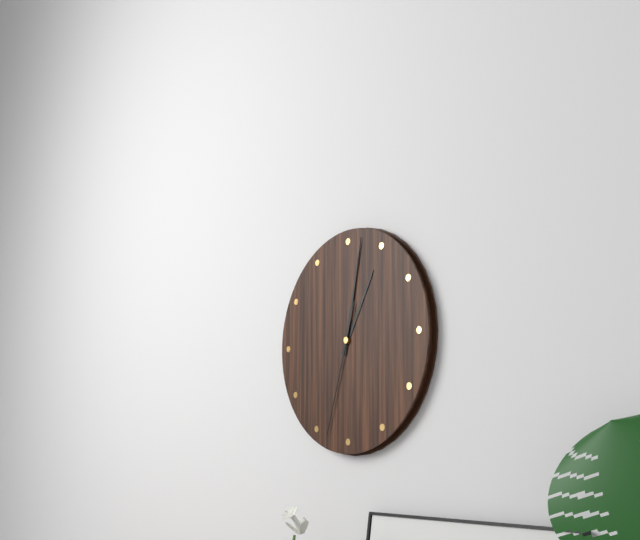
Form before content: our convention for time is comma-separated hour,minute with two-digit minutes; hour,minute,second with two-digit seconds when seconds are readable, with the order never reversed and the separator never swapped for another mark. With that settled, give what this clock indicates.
1,02,33
